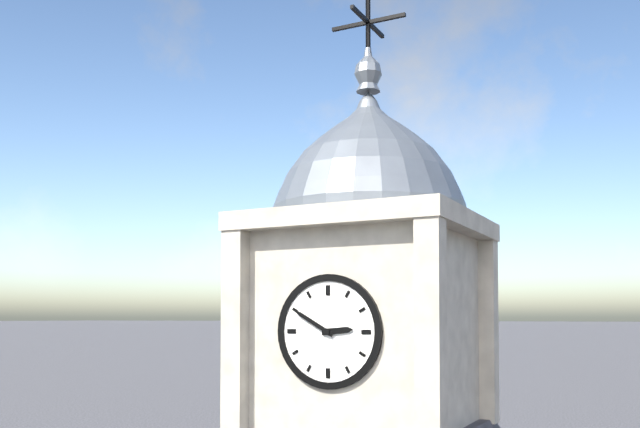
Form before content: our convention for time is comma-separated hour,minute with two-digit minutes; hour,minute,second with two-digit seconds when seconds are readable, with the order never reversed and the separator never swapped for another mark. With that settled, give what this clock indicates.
2,50
